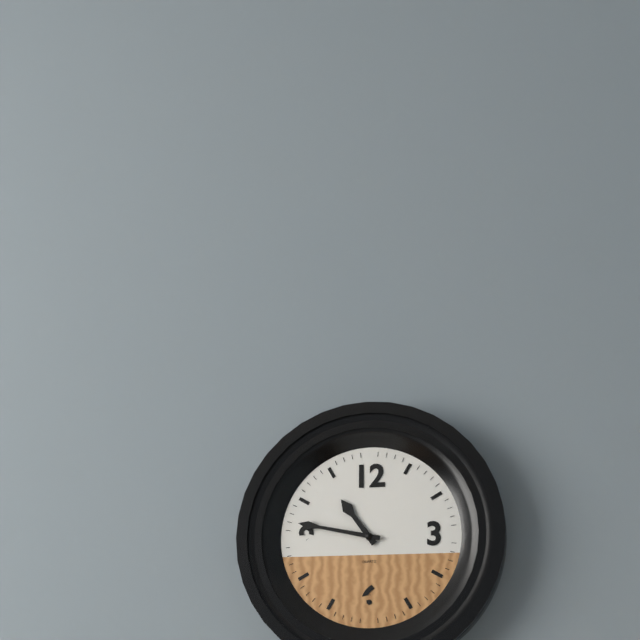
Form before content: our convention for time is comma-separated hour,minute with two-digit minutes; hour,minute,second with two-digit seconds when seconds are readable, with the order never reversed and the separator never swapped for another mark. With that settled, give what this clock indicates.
10,47
